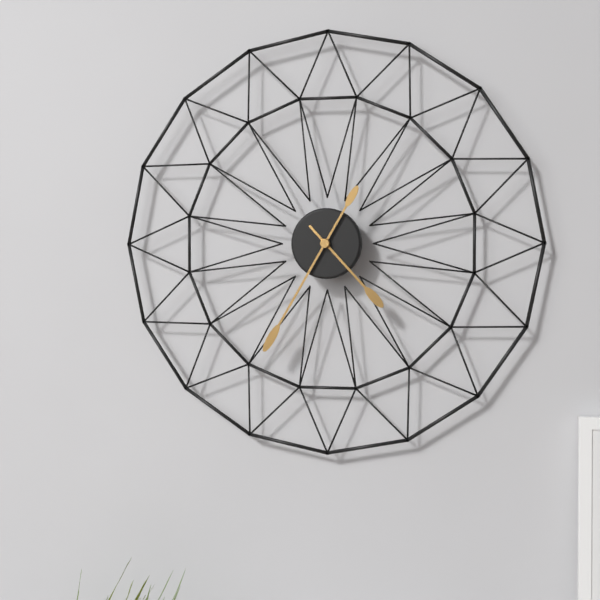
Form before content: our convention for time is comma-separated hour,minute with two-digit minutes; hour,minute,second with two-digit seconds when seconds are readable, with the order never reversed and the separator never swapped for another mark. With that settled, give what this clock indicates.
4,35
